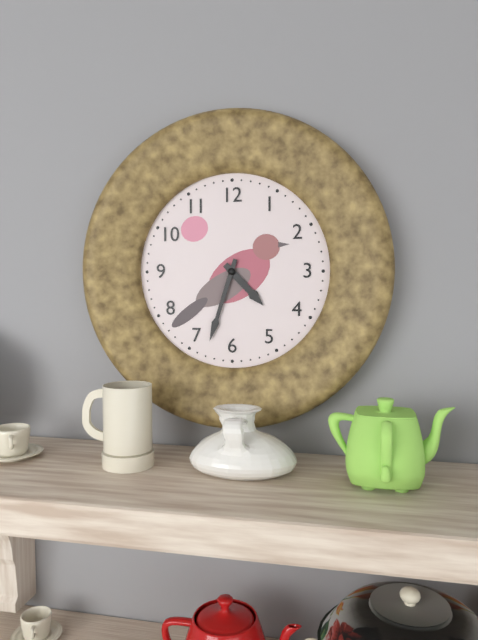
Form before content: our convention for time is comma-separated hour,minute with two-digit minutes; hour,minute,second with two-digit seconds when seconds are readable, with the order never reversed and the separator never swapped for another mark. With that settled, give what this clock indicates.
4,33
